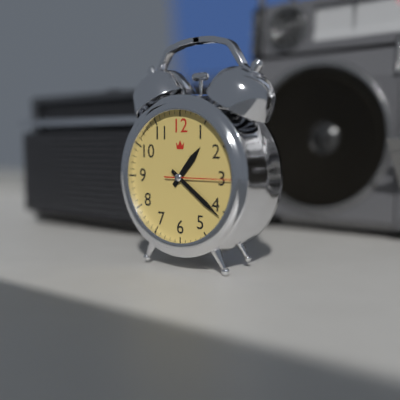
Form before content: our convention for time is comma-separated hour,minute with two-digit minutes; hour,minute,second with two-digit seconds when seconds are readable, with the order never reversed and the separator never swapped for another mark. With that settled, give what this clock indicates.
1,21,15
